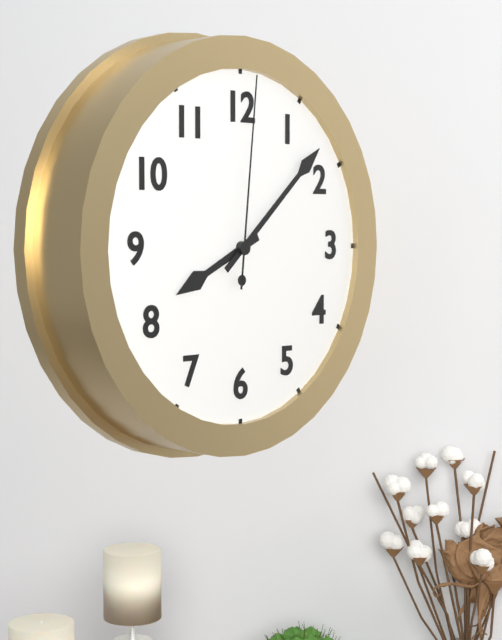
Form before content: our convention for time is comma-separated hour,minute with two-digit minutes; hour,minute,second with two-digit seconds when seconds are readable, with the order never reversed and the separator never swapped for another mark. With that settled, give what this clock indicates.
8,08,01
